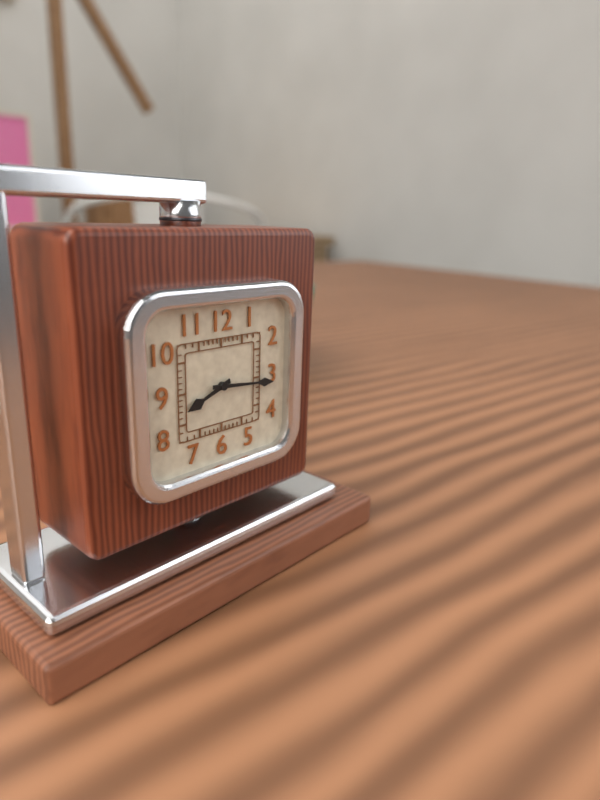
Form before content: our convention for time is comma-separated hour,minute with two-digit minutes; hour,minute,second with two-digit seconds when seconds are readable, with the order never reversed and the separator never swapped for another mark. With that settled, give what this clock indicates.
8,16
